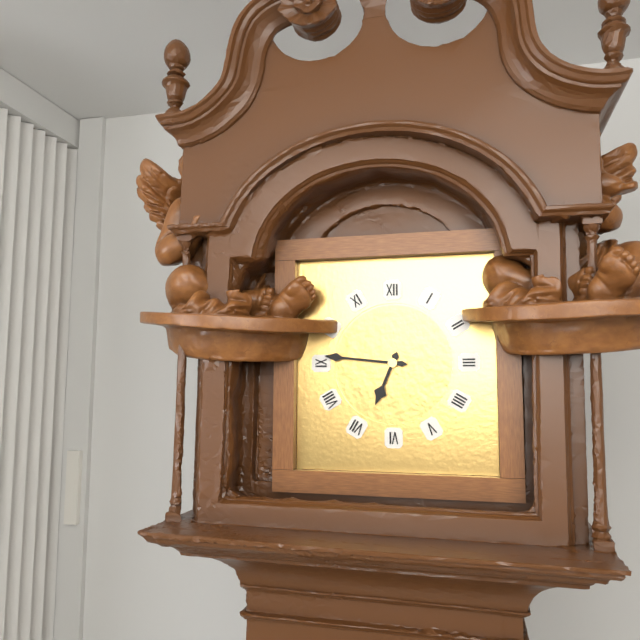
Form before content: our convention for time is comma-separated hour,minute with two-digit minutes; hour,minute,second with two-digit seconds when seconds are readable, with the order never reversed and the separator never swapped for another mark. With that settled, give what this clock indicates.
6,46
